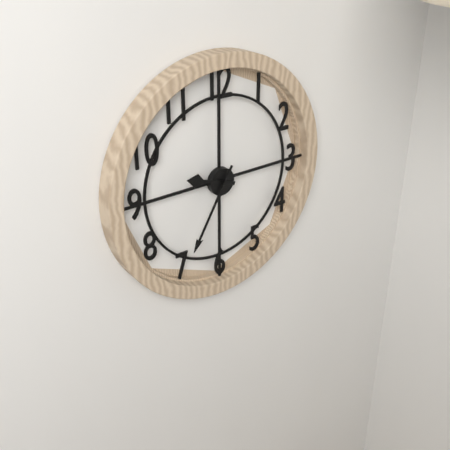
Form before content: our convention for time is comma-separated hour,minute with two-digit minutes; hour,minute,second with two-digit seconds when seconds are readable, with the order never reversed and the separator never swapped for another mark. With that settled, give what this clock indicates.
9,35
